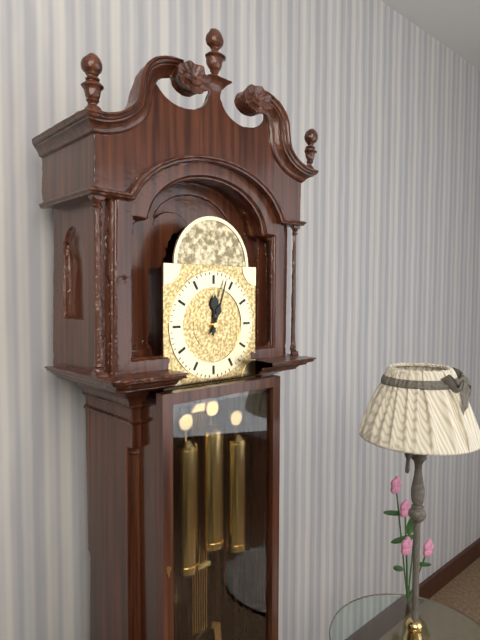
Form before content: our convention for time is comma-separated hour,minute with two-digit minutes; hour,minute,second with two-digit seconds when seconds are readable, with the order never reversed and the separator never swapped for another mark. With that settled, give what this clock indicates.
12,03
